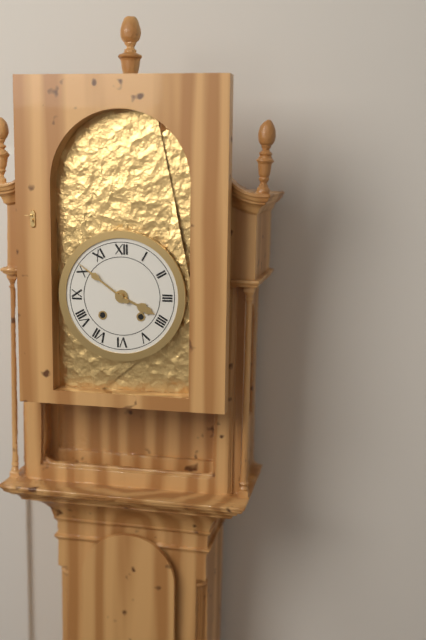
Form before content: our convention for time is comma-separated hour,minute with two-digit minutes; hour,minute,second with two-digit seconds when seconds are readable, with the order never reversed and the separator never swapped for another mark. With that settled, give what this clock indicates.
3,51
